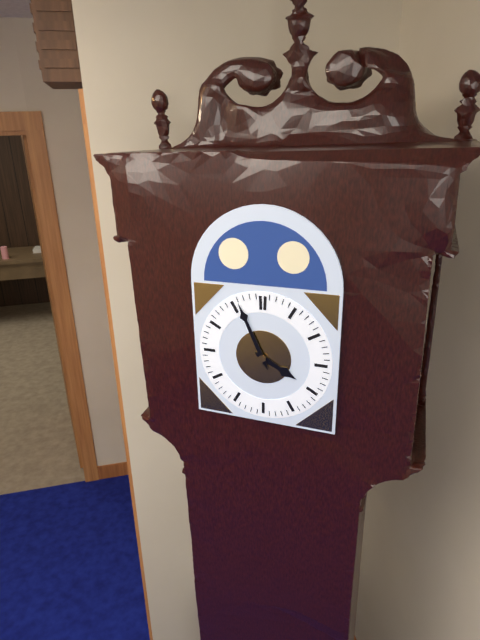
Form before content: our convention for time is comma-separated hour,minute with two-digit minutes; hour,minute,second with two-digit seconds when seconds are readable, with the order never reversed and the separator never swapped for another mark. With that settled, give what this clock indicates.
3,56
